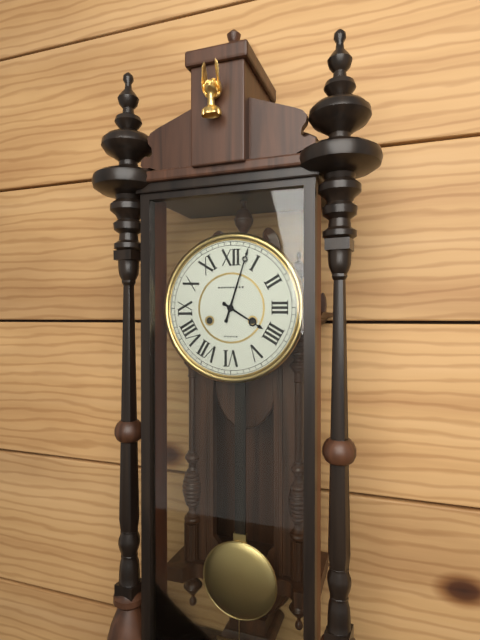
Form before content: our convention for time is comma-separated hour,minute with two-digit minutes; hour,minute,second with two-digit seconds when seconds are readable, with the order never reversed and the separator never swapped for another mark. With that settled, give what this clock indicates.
4,03
